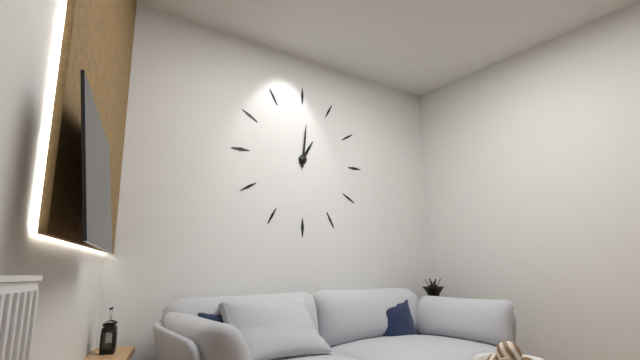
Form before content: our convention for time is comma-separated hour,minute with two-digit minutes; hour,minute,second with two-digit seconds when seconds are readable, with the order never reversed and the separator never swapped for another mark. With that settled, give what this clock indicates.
1,01
